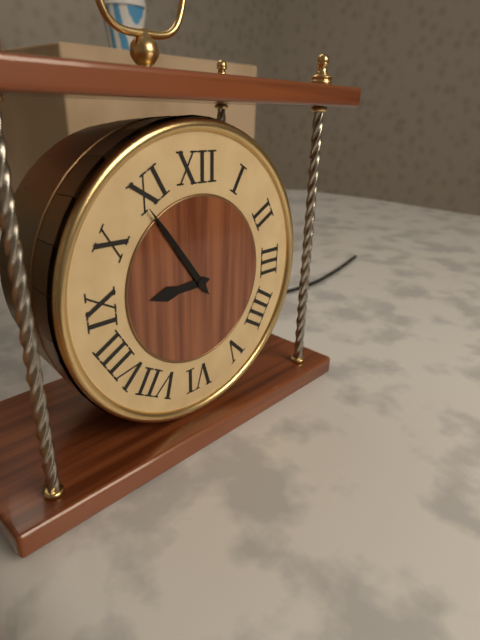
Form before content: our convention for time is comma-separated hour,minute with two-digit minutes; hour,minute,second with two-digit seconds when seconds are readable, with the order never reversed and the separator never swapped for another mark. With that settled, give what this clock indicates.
8,54
